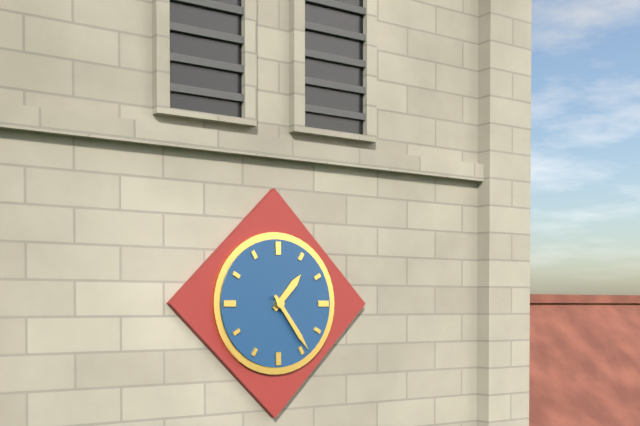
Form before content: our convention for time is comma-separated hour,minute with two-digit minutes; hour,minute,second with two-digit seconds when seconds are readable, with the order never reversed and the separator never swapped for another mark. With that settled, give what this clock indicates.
1,24
